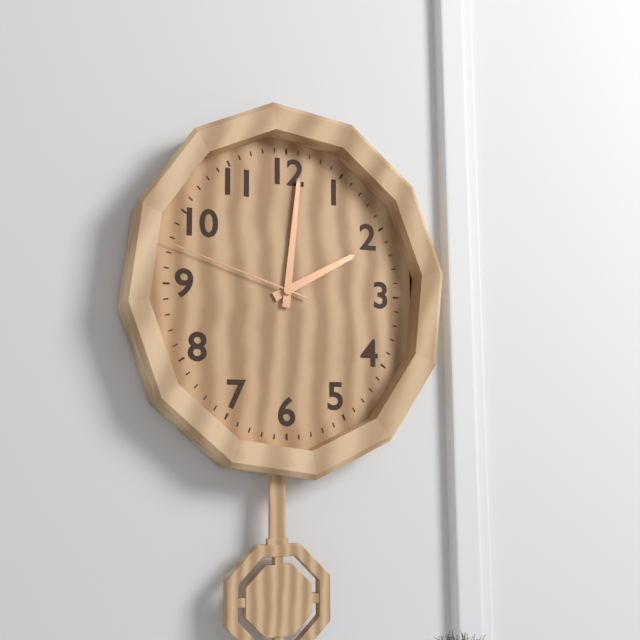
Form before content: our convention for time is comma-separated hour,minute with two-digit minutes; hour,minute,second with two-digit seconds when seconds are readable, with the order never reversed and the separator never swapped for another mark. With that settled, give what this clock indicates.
2,01,48
